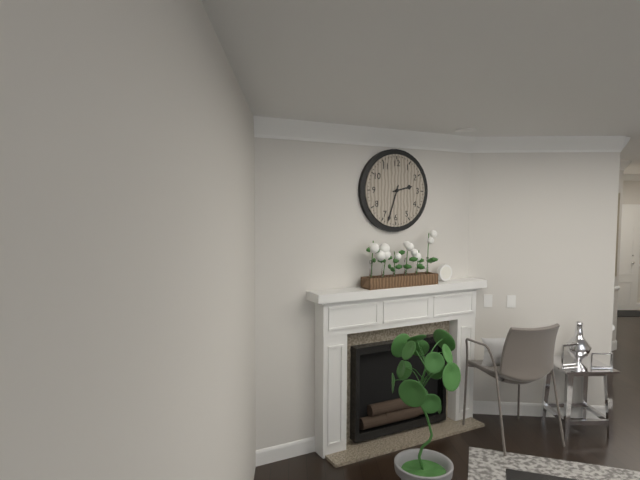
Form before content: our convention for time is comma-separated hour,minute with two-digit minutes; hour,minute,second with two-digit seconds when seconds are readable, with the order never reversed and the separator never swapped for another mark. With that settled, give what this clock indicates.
2,33
